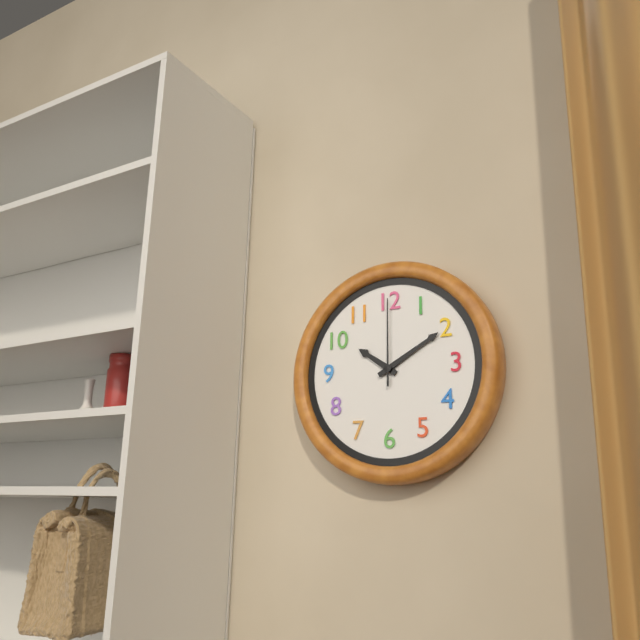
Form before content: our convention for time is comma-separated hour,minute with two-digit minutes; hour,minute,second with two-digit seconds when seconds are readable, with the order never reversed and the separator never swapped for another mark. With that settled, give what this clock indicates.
10,10,00
